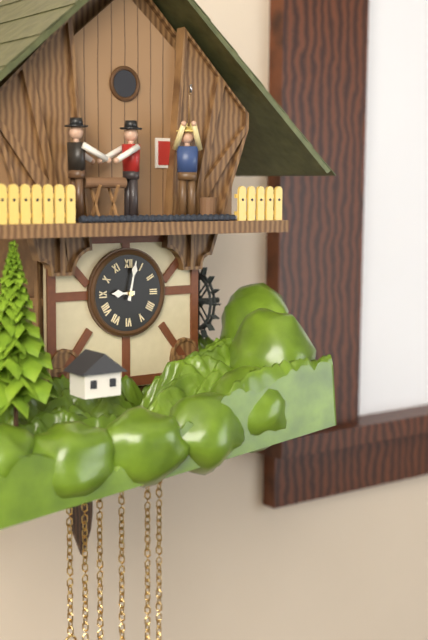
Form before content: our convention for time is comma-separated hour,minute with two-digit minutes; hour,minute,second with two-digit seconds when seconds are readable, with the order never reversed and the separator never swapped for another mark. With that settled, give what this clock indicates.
9,02
